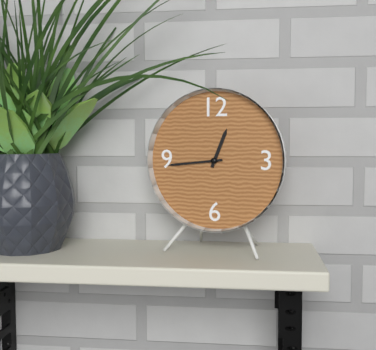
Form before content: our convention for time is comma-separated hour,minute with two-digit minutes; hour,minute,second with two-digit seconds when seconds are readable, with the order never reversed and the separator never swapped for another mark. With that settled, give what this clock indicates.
12,44
